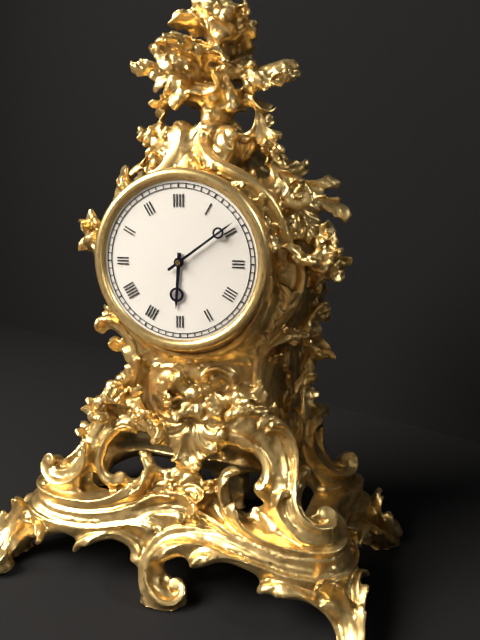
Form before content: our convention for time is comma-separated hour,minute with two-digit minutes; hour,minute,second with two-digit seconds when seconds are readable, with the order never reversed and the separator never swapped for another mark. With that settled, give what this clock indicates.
6,09
